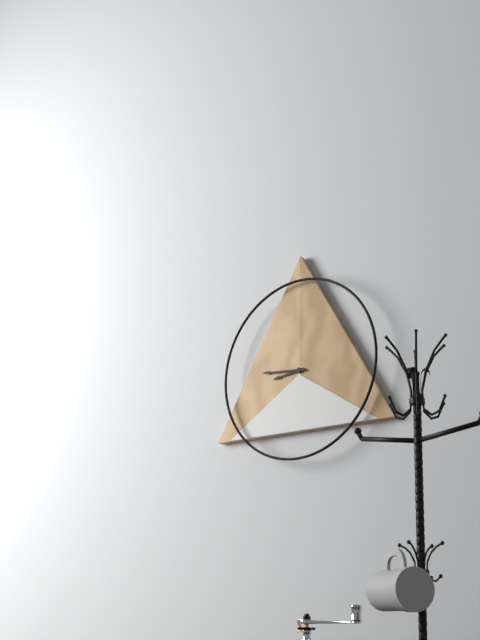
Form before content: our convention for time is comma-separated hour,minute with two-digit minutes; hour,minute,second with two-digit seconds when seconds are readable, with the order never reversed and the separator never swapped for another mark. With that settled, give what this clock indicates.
8,46
